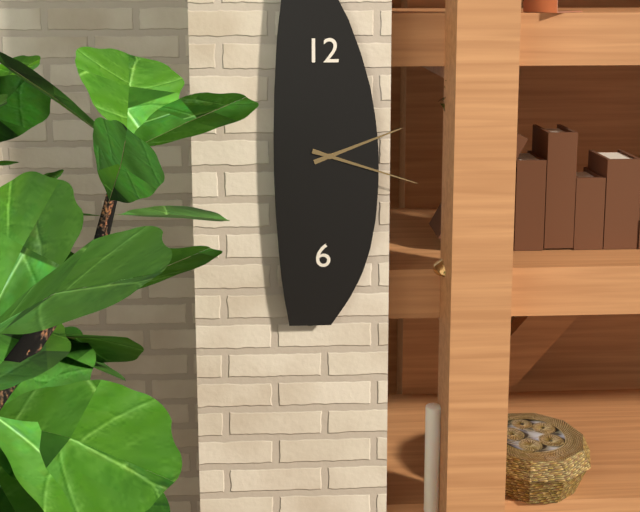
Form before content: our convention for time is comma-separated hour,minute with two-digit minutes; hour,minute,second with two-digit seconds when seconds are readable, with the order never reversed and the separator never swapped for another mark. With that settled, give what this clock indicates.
2,18
